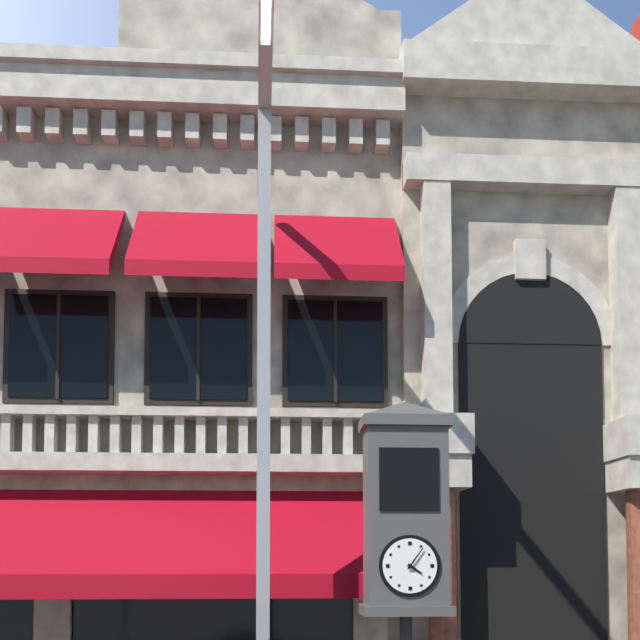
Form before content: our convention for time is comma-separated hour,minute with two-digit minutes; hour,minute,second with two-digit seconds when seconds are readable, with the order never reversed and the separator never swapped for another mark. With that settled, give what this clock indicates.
4,06
